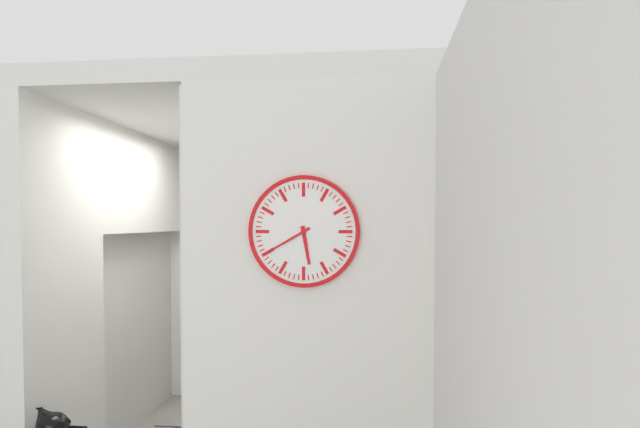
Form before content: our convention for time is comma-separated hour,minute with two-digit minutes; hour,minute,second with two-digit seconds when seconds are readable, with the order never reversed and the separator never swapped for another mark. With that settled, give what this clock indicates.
5,40
